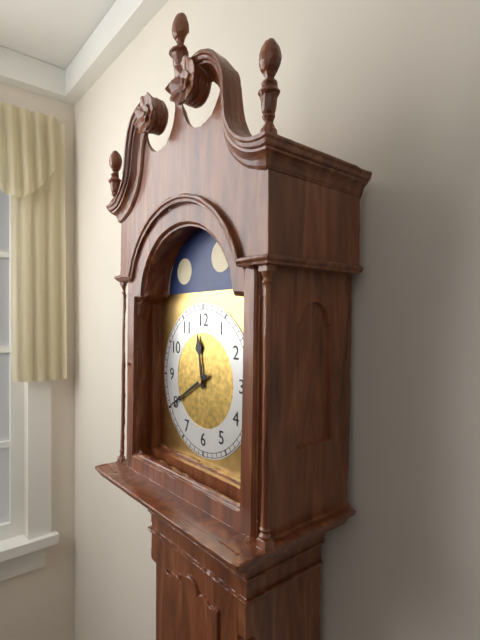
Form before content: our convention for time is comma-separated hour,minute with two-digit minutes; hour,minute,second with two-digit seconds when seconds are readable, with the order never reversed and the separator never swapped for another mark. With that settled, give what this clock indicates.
11,40
